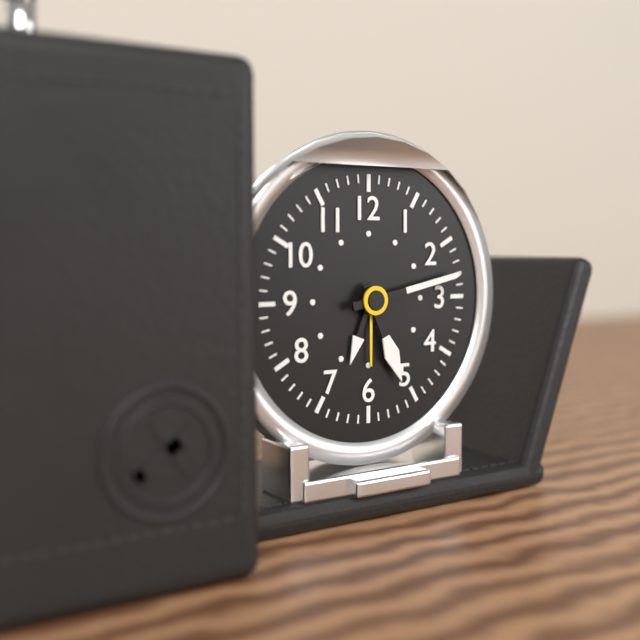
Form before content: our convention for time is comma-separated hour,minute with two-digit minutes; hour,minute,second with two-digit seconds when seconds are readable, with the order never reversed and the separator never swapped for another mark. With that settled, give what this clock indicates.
5,13
